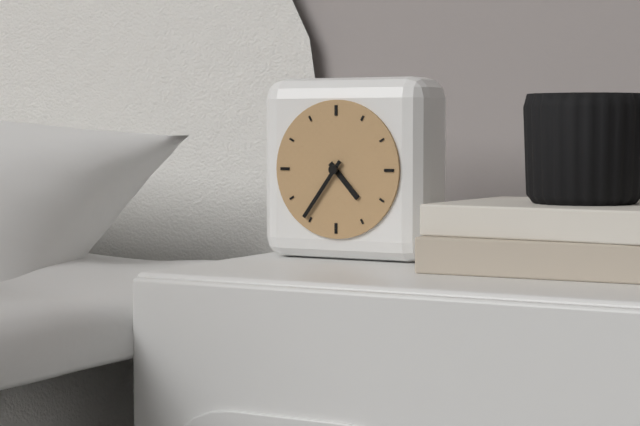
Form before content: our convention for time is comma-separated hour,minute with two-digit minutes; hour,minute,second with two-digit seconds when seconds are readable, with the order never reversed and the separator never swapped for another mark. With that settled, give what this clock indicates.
4,36
